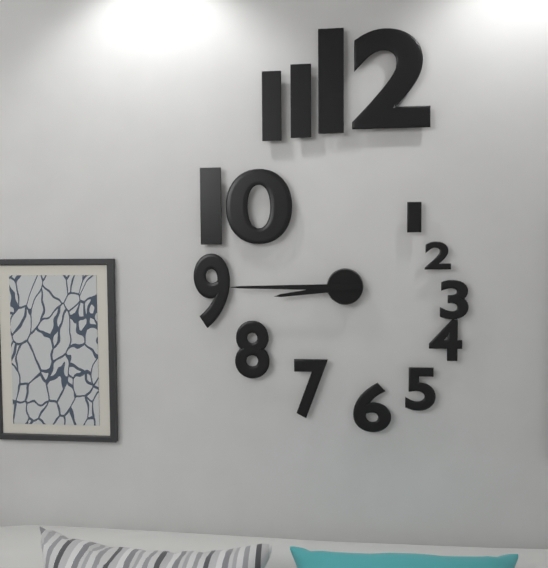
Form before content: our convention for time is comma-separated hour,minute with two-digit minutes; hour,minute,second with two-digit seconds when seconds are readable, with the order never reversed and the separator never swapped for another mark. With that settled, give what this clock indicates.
8,45
